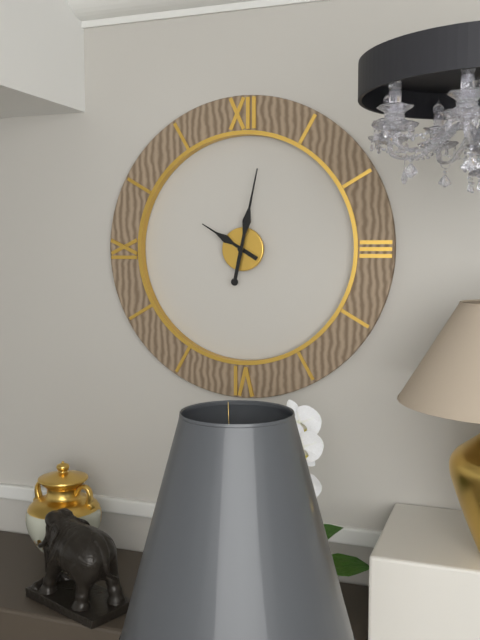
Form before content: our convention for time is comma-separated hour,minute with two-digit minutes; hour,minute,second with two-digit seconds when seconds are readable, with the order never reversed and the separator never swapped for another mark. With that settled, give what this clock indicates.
10,02
